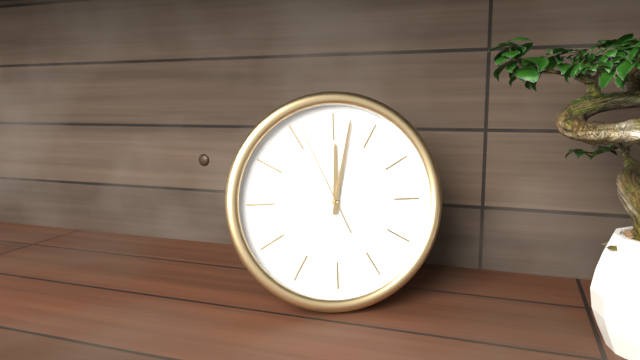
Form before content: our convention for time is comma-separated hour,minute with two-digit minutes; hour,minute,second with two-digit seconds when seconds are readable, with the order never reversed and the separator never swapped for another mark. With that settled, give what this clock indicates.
12,02,56
